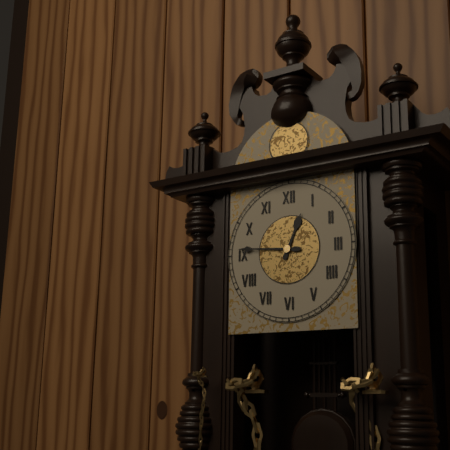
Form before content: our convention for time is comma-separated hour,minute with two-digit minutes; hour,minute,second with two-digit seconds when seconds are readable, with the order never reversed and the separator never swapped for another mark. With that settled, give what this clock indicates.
12,46
